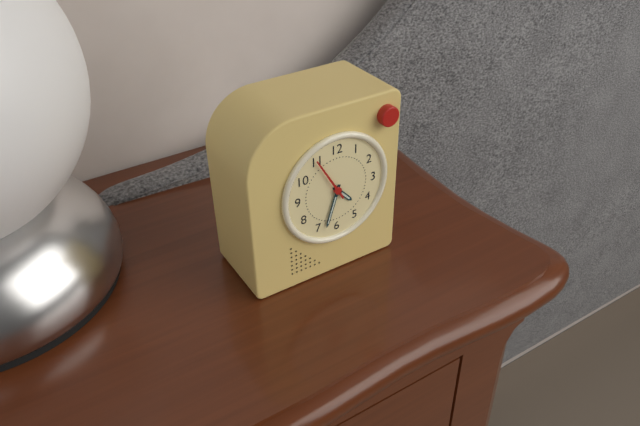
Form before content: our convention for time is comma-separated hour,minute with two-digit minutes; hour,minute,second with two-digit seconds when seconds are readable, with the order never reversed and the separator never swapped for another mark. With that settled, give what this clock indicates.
4,33
